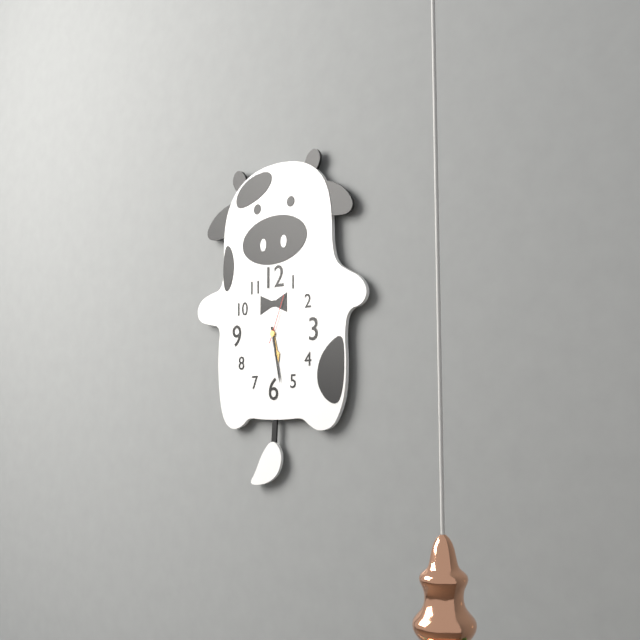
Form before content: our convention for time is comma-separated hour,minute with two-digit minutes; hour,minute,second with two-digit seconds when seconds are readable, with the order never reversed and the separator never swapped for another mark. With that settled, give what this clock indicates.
5,28
